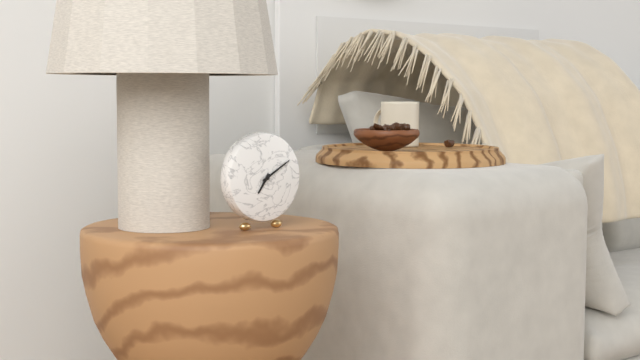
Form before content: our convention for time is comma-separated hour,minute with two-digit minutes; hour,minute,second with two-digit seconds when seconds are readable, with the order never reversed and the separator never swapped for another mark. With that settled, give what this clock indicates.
7,10
